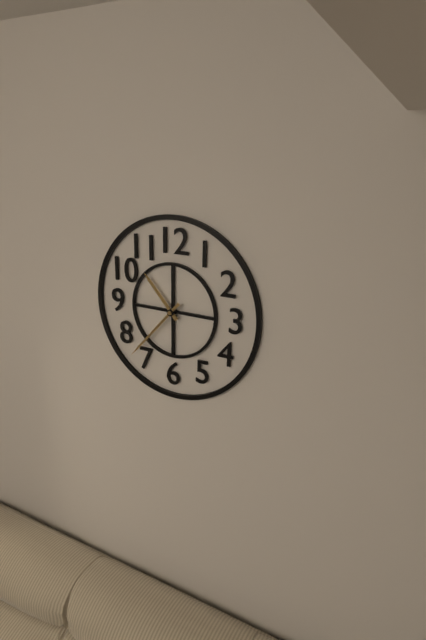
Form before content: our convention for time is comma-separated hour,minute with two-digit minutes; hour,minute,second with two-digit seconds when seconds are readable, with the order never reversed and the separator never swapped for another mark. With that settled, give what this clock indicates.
10,37
